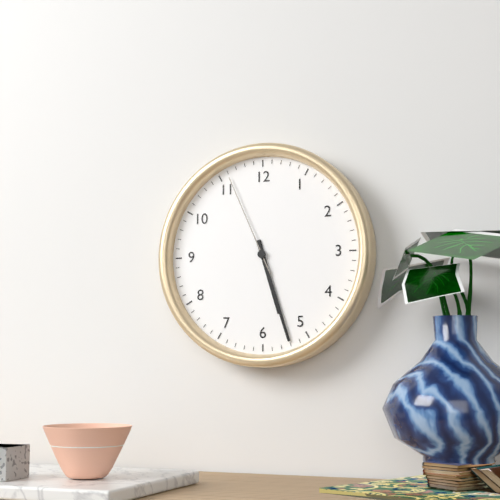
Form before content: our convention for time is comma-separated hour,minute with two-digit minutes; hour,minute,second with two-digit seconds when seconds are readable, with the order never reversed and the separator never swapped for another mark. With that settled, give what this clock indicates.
5,27,56
